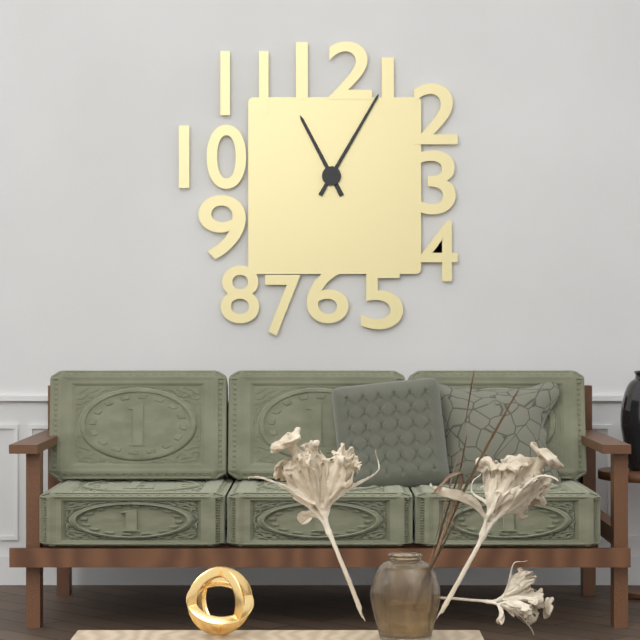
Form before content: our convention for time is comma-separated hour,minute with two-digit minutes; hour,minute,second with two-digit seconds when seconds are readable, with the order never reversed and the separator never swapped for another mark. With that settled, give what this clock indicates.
11,05
